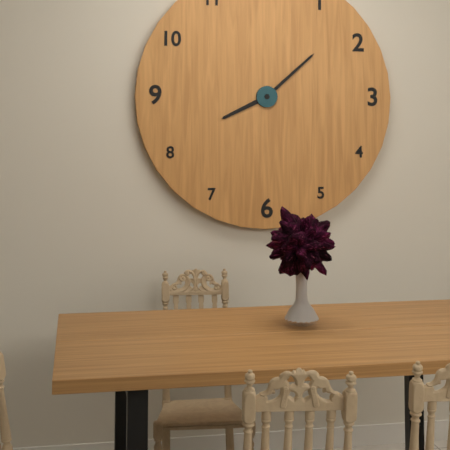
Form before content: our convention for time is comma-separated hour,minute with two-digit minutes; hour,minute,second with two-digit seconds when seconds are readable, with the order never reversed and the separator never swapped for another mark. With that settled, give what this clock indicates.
8,08
